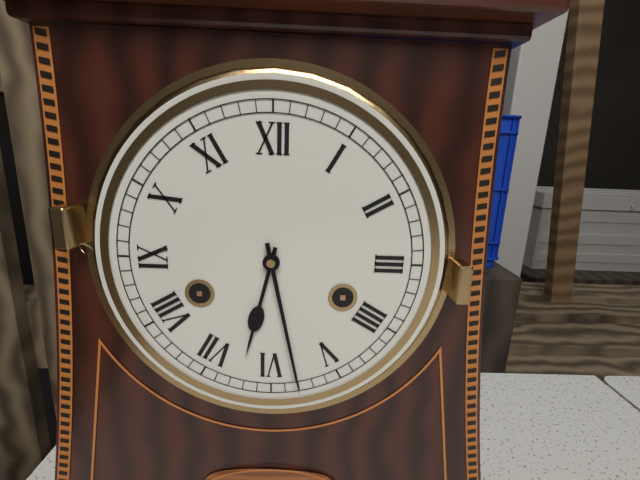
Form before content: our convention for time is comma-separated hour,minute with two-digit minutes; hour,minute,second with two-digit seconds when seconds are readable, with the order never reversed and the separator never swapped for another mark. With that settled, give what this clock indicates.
6,28
